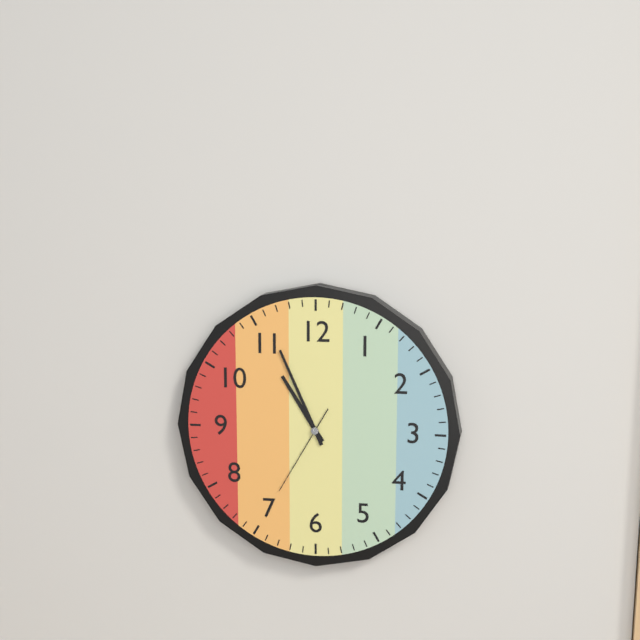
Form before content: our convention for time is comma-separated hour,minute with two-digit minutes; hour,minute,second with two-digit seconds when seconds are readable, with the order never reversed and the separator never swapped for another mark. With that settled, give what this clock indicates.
10,56,35
